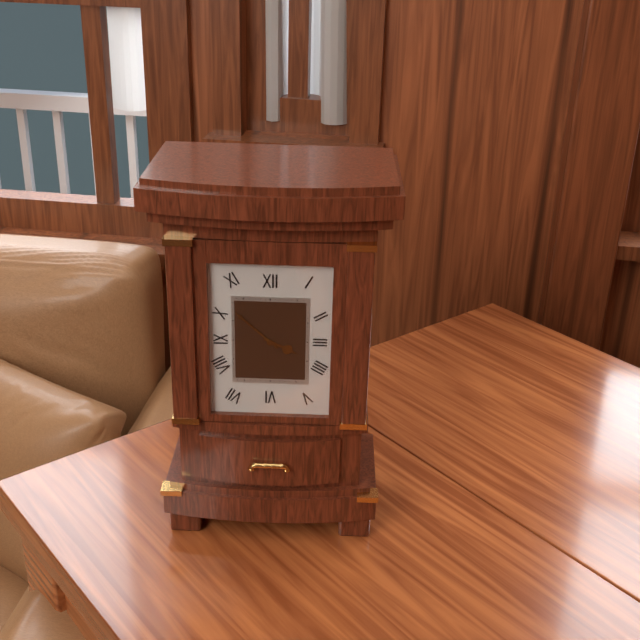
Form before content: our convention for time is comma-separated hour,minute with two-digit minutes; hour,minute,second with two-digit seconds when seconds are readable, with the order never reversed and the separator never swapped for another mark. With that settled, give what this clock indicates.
3,52
